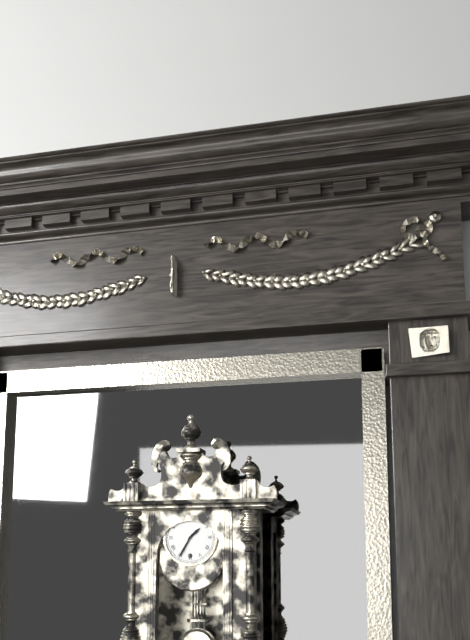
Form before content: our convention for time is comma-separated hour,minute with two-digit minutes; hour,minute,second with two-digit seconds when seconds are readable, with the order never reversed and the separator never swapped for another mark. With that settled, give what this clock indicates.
1,35
